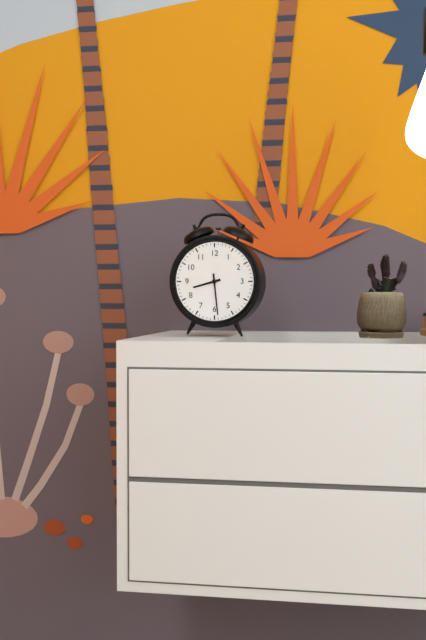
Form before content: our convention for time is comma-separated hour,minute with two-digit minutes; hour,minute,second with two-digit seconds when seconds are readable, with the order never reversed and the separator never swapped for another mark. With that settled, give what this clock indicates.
8,29
